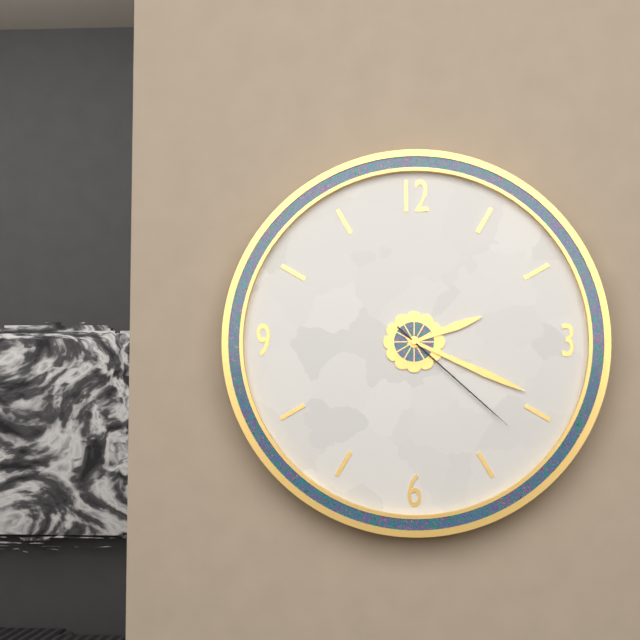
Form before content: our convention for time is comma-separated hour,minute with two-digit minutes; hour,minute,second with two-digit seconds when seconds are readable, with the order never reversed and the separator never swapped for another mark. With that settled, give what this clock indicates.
2,19,22
